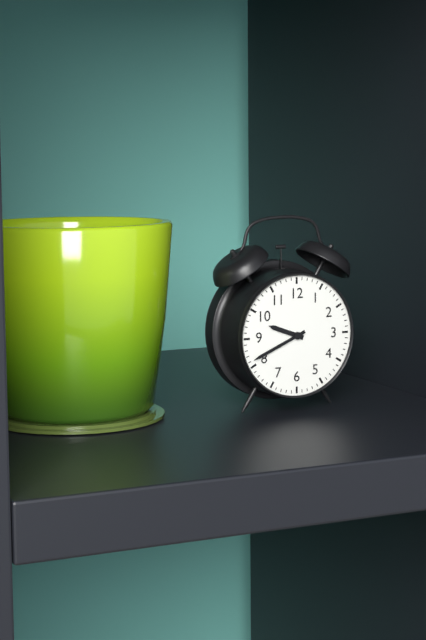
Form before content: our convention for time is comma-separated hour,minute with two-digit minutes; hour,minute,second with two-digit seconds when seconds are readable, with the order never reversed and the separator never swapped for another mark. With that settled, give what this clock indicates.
9,41
